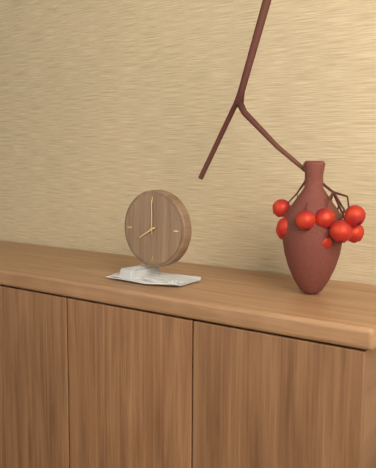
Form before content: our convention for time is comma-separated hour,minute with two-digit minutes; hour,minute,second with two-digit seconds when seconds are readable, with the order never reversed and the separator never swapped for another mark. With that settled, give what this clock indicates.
8,00
